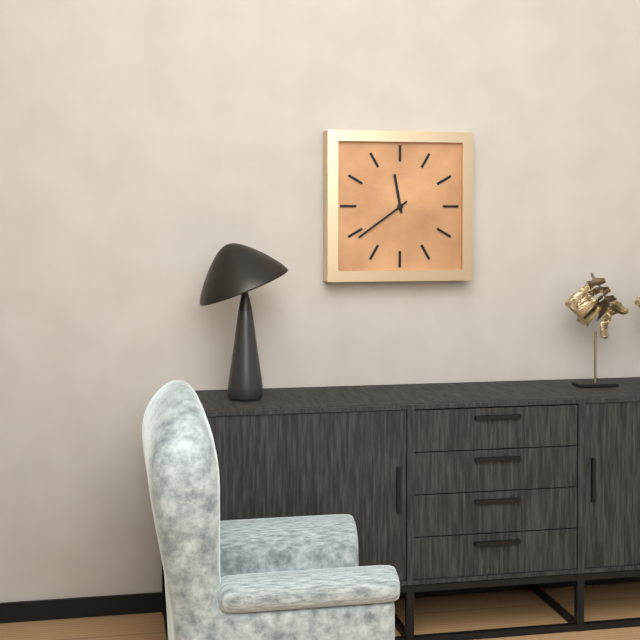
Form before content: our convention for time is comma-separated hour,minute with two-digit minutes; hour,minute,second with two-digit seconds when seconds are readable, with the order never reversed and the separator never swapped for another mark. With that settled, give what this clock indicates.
11,39
